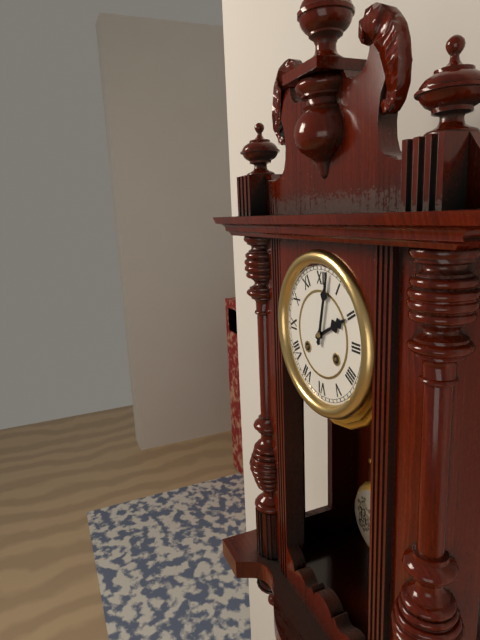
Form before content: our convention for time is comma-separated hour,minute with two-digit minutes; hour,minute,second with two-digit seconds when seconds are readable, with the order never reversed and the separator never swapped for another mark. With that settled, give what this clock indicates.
2,02
